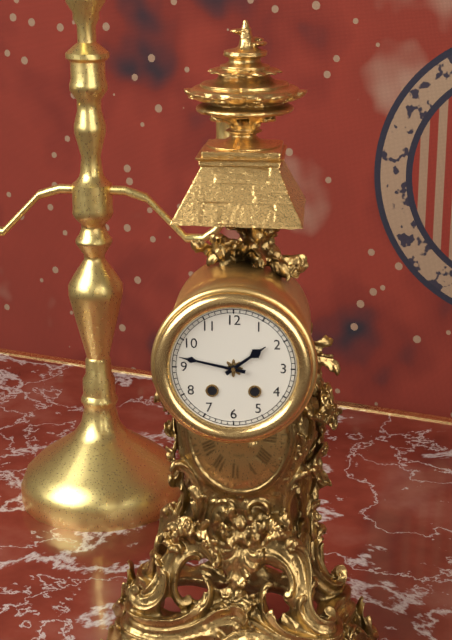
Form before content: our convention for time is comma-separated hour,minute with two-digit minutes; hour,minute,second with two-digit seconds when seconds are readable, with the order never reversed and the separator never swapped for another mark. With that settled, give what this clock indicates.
1,47
